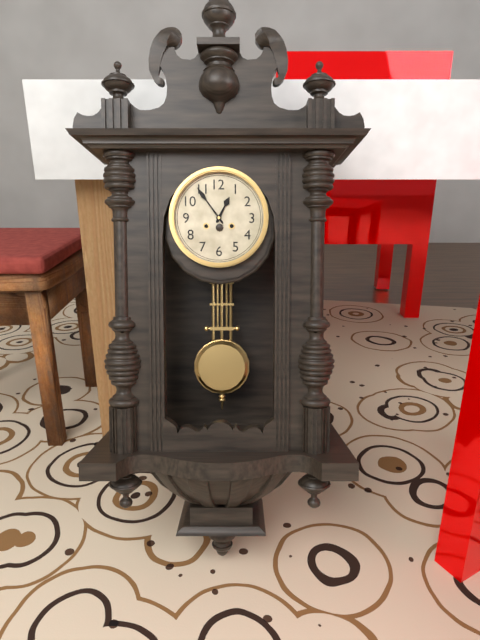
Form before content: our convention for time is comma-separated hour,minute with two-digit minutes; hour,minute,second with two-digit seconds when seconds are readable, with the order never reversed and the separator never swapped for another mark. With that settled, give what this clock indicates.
12,54
